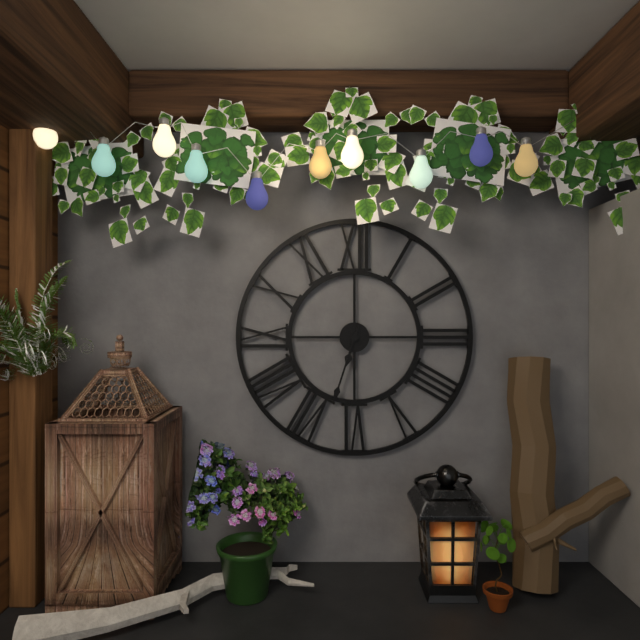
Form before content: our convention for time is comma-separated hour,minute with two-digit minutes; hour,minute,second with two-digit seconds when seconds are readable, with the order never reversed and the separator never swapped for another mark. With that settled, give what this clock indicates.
6,33
